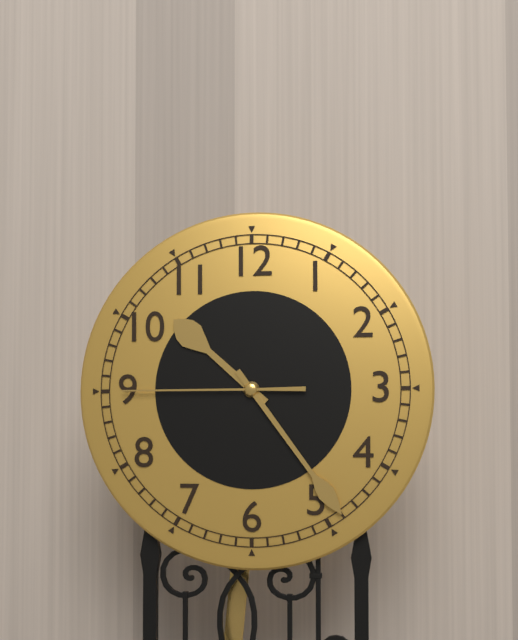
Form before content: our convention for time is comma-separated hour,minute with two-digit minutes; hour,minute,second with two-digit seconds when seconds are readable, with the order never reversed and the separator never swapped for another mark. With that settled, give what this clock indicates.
10,24,45
